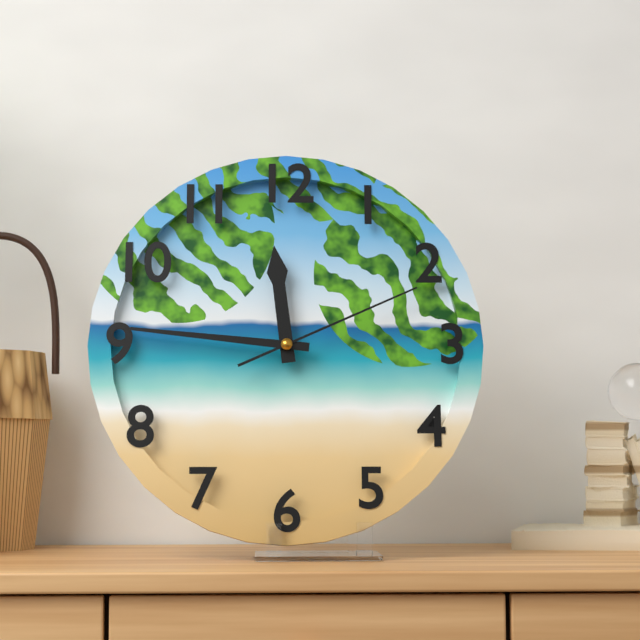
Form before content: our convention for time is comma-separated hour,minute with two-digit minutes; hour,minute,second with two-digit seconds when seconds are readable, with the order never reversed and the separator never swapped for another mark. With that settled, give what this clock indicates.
11,46,11
